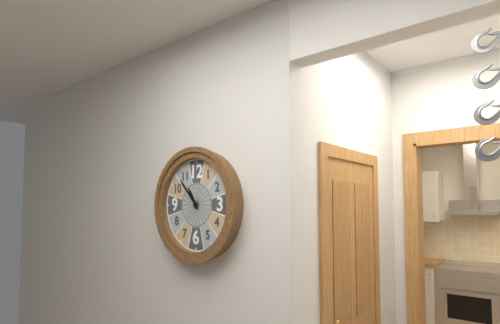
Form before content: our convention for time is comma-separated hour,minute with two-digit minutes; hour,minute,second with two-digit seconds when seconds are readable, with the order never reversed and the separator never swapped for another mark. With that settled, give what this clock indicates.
10,53
